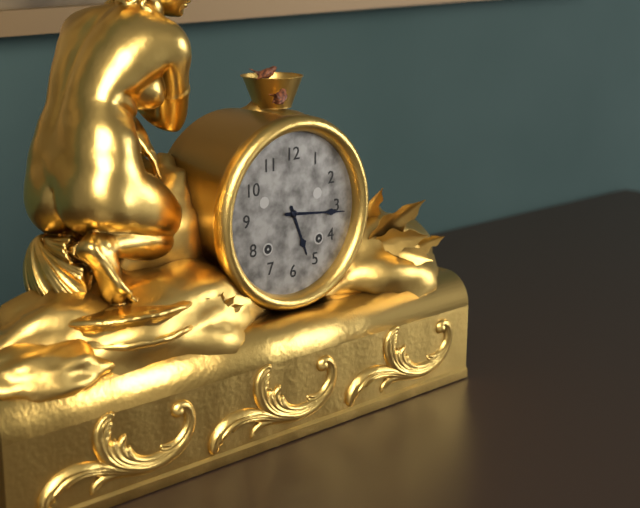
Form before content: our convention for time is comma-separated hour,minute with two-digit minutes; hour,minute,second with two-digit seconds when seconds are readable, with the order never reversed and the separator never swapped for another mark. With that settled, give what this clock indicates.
5,16
